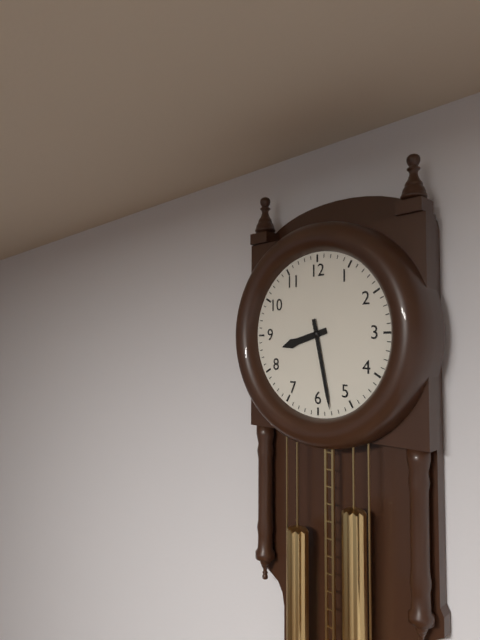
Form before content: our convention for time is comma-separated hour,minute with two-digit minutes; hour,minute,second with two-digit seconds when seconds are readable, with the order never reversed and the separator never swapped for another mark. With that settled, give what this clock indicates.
8,28
